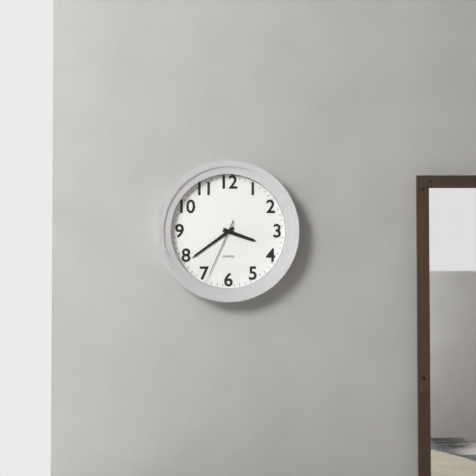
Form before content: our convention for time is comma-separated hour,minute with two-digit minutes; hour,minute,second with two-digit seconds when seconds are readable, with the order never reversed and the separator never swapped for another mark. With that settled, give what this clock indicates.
3,39,34
